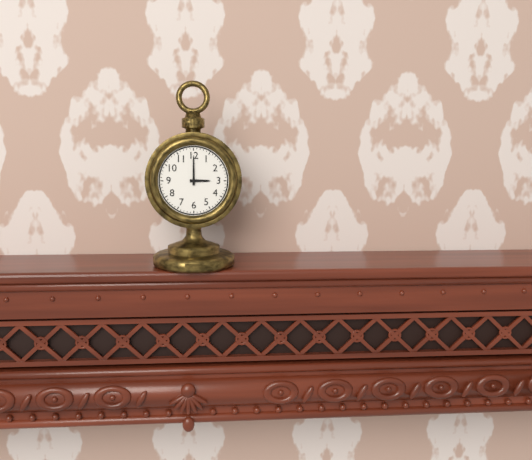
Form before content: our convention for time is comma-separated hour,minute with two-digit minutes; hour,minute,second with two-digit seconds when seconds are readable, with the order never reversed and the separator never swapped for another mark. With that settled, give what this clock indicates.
3,00
